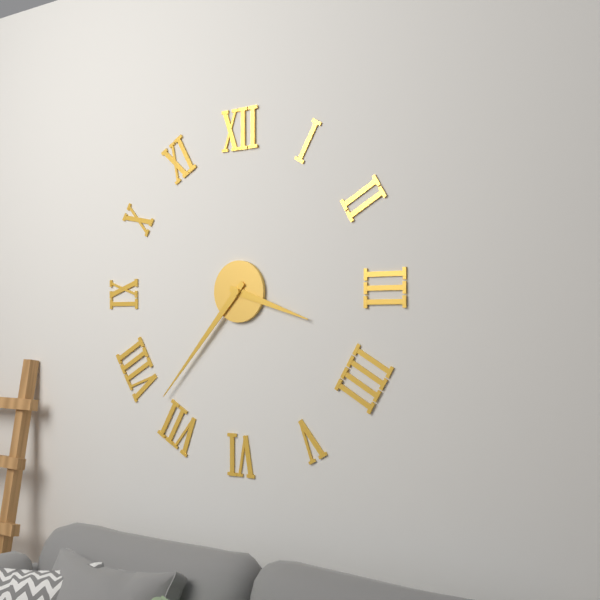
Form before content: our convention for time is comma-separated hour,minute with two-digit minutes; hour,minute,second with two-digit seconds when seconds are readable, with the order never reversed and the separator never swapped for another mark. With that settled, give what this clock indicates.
3,37
